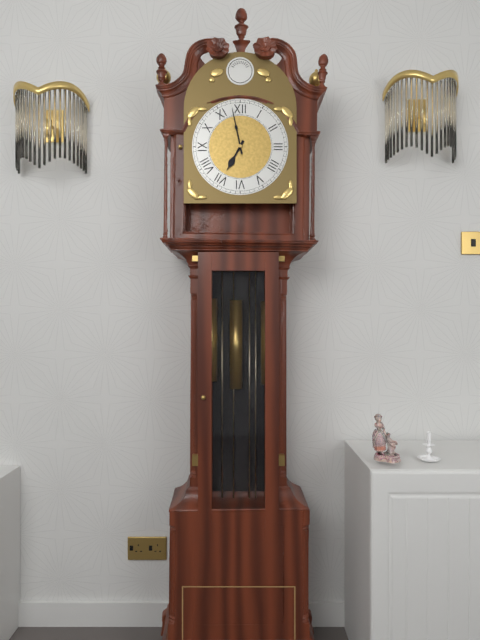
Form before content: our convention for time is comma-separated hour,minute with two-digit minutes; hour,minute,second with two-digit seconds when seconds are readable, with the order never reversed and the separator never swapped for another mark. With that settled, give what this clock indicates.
6,58
